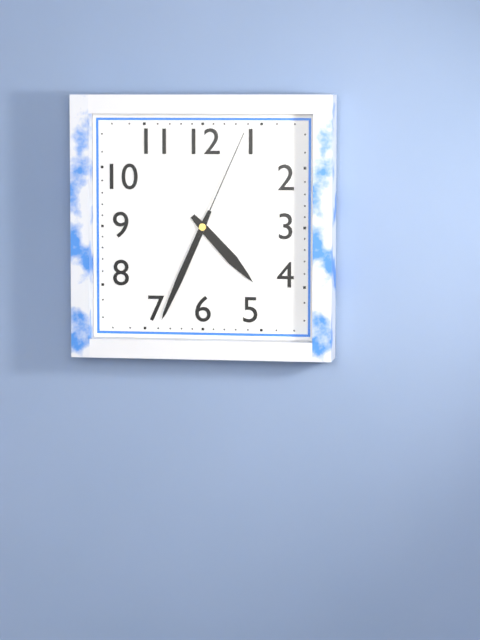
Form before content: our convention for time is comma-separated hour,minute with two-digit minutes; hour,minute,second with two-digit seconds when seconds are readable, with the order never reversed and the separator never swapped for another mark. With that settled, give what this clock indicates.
4,34,04
